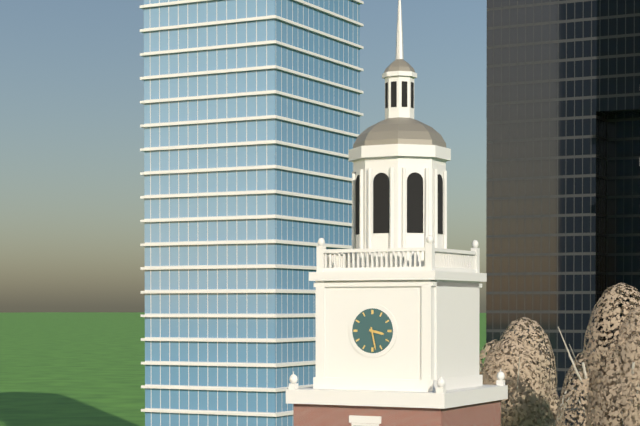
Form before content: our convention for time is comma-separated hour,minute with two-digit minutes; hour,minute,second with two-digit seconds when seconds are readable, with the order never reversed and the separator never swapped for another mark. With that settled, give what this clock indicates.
3,28
